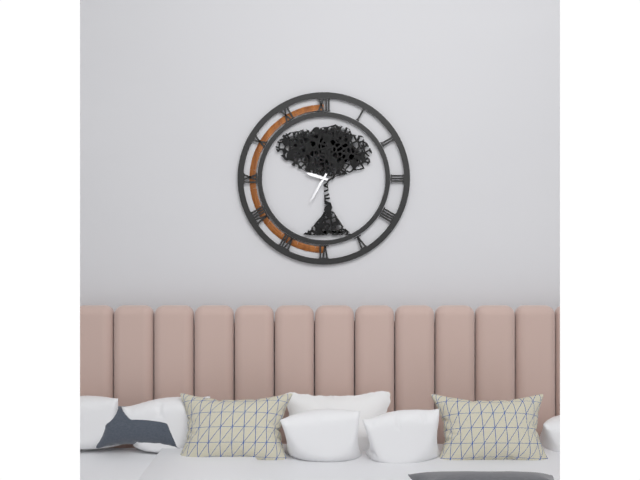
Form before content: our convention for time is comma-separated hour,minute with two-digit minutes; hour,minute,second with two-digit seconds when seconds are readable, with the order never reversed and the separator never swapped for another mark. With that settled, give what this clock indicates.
9,35
